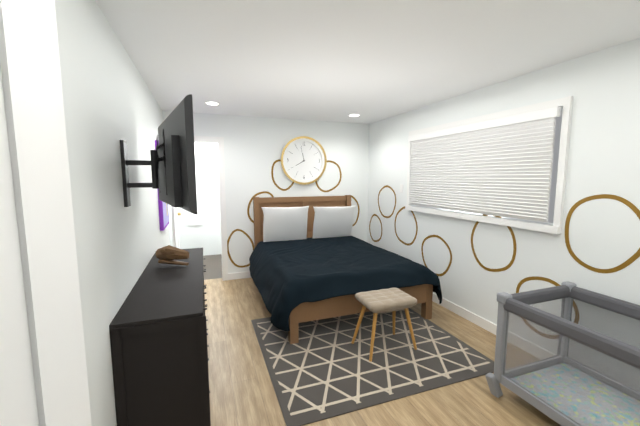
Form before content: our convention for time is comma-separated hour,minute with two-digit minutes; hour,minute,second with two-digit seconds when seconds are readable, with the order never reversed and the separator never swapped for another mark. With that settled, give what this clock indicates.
7,58
